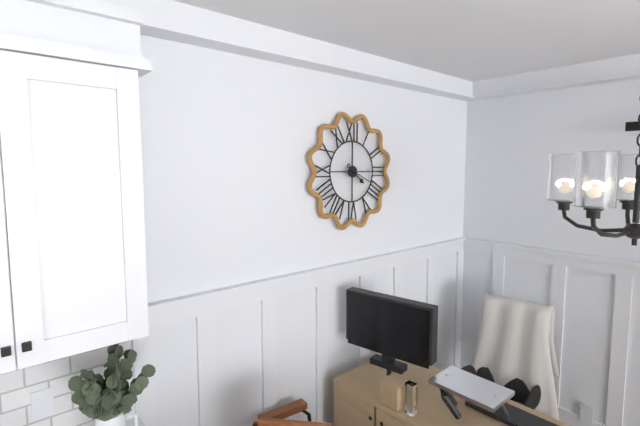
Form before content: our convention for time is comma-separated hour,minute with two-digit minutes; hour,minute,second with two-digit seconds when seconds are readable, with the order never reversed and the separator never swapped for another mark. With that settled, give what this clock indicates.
4,19
